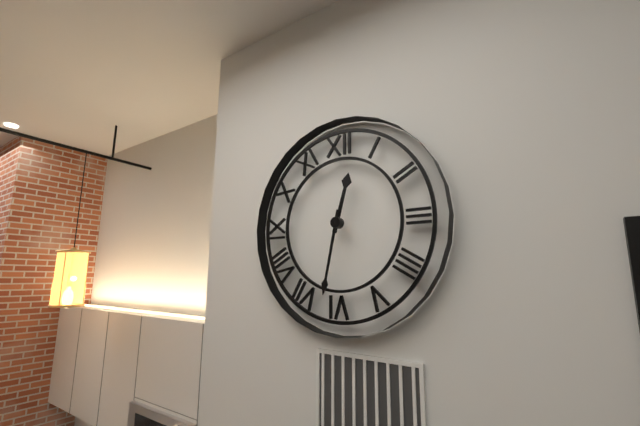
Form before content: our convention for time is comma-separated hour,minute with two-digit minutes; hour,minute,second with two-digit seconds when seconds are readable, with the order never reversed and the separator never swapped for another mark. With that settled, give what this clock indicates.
12,32
